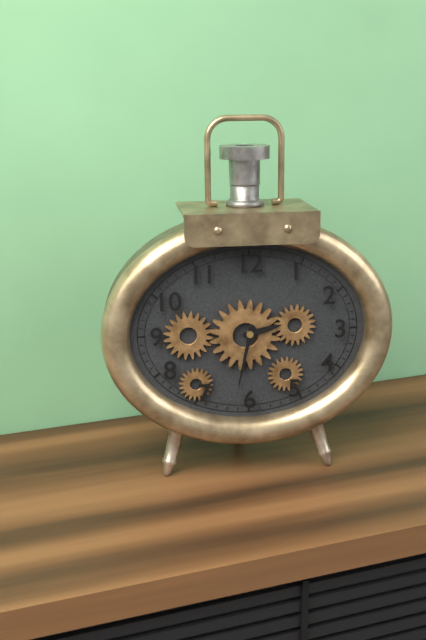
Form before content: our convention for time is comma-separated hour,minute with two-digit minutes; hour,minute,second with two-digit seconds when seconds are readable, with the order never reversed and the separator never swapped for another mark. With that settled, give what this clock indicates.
2,32
